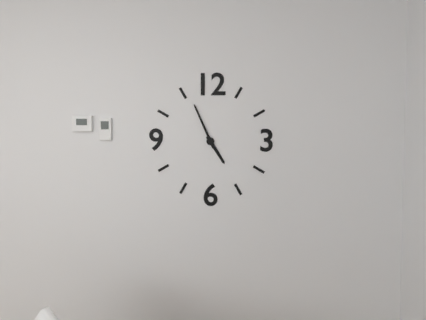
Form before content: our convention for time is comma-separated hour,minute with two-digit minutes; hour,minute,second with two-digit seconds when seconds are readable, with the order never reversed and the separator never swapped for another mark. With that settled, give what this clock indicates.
4,56
